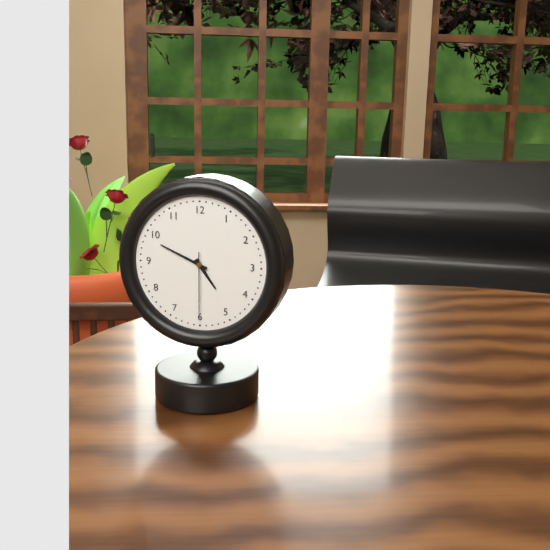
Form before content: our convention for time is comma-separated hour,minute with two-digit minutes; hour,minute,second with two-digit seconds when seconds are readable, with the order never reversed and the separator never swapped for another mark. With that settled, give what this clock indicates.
4,49,30
